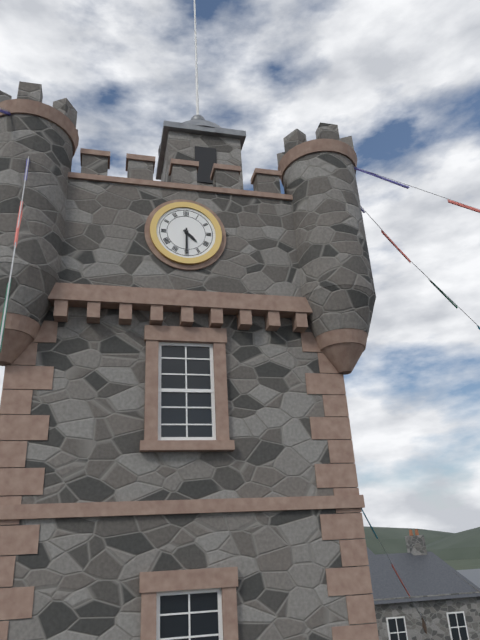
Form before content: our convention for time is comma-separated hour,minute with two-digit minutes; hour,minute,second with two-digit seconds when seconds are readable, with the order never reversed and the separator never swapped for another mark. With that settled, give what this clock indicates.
4,30
